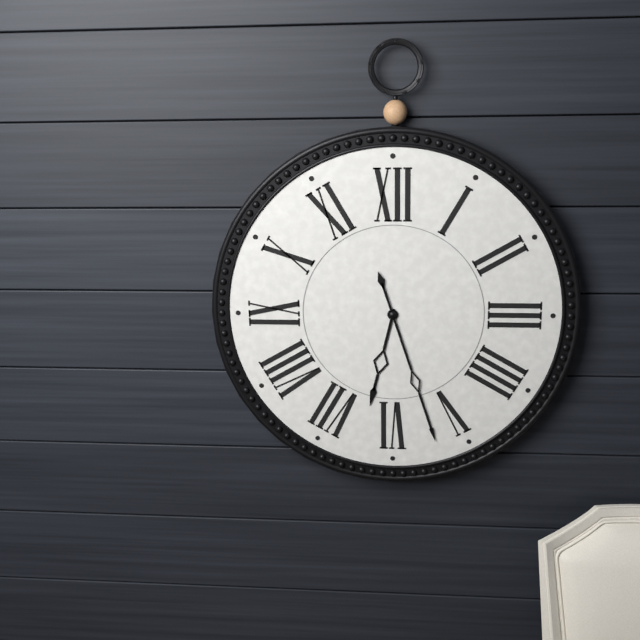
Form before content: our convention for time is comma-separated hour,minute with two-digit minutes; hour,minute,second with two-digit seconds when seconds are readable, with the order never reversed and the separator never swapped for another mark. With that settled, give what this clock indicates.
6,27
